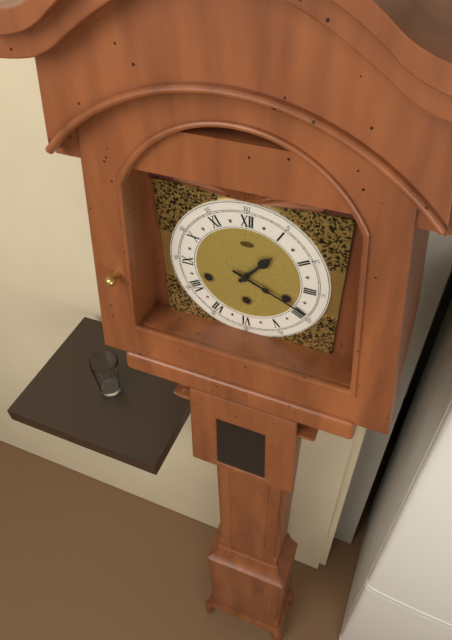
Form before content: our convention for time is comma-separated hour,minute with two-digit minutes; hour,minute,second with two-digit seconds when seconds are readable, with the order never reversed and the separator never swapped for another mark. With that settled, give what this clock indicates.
1,19
